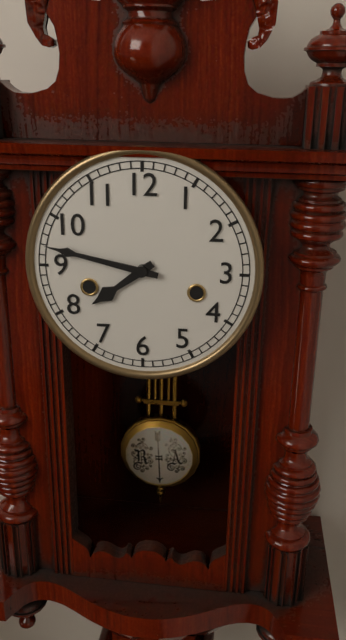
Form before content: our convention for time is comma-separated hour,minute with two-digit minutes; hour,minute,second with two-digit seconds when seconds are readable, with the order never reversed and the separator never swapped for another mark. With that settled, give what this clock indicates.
7,47
